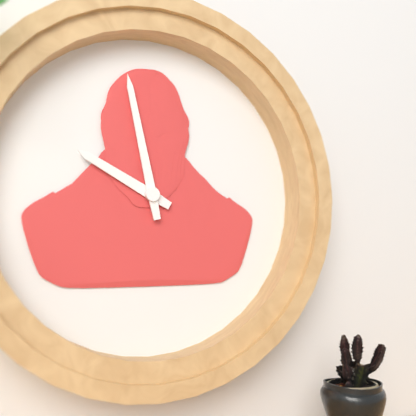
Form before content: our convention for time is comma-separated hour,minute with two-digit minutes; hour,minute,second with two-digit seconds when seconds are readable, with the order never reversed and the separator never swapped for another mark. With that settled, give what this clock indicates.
9,58
